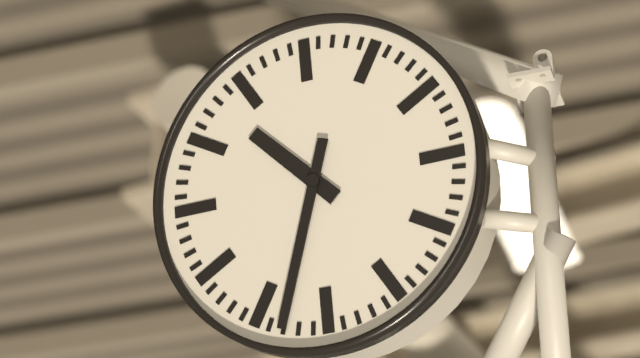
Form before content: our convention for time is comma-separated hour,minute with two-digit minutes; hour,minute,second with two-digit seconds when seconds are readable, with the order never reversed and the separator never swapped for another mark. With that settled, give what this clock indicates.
10,33
